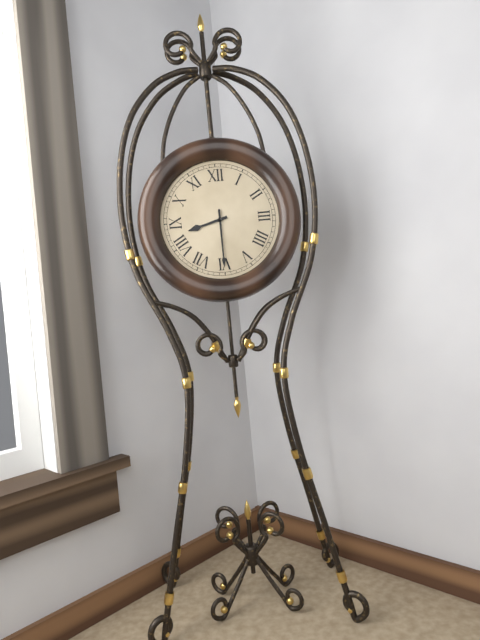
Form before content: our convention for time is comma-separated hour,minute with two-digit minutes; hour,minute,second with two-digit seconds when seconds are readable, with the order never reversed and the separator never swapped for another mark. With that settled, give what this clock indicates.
8,30
